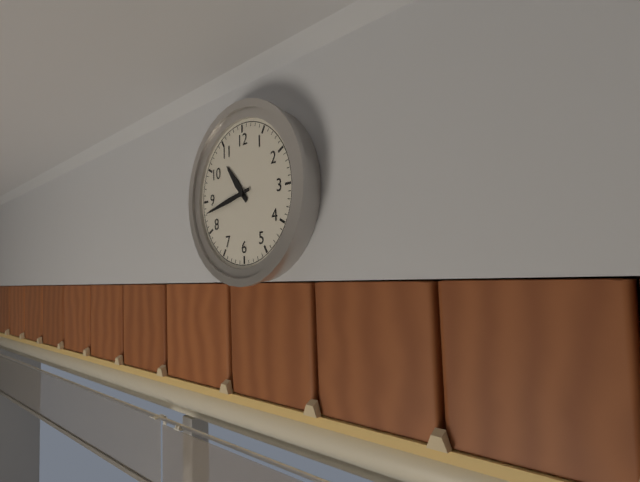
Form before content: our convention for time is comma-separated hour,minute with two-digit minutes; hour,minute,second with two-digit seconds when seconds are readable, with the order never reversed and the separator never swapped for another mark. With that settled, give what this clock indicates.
10,43
